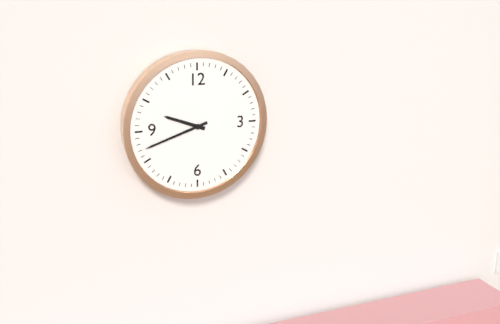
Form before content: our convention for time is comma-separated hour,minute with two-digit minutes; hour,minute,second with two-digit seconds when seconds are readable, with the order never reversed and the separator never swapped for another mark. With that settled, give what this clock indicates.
9,42
